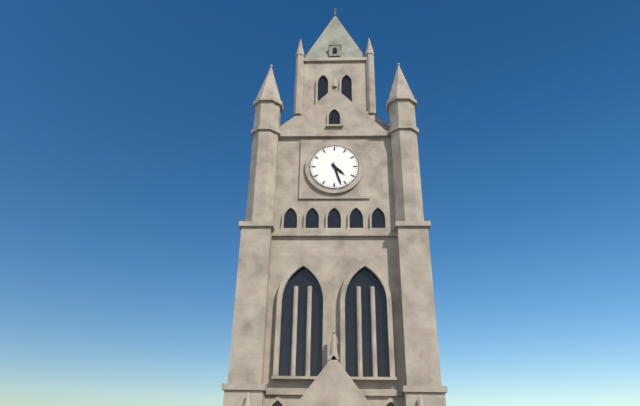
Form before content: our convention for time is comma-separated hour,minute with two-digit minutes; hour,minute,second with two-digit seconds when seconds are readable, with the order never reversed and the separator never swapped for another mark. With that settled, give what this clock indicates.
4,27
